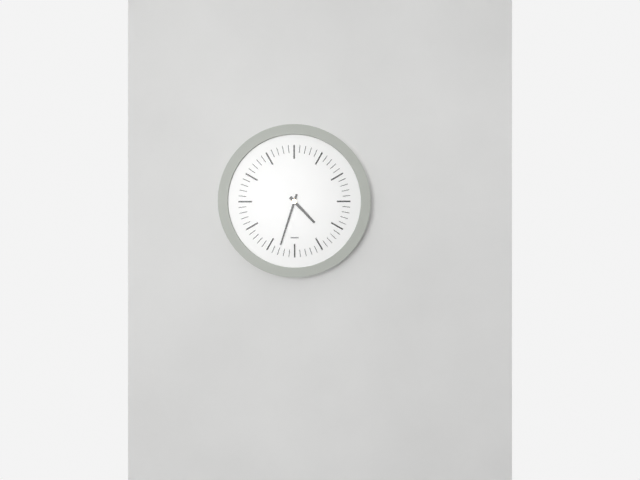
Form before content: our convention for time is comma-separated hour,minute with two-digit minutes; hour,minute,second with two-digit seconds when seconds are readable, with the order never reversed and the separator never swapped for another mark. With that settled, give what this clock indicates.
4,33
